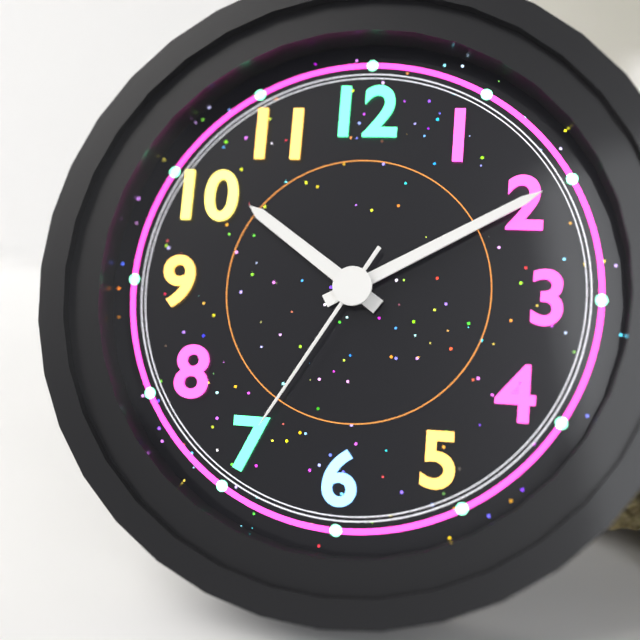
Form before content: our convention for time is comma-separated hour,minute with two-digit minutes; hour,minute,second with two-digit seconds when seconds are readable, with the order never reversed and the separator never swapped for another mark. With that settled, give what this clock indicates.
10,10,35
